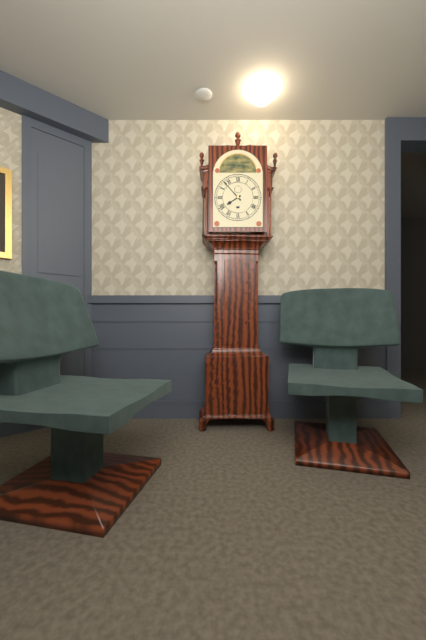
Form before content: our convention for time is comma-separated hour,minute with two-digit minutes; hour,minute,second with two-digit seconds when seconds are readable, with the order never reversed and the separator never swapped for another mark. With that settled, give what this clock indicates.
7,53
